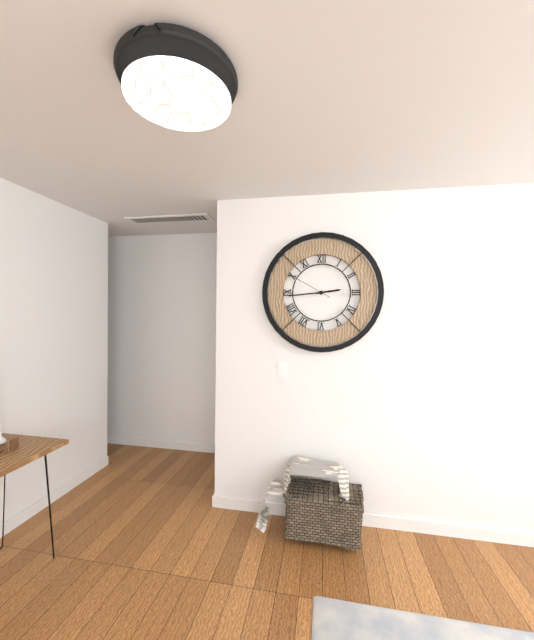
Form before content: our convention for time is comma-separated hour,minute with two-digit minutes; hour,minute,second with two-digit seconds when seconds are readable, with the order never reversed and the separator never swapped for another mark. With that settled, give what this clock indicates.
2,44
